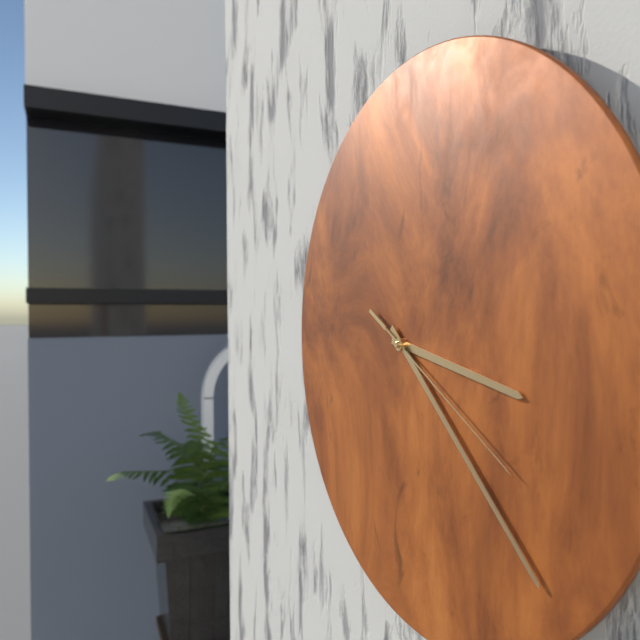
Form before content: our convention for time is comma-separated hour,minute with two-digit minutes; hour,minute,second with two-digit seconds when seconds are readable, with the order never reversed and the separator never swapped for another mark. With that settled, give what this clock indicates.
3,22,20
